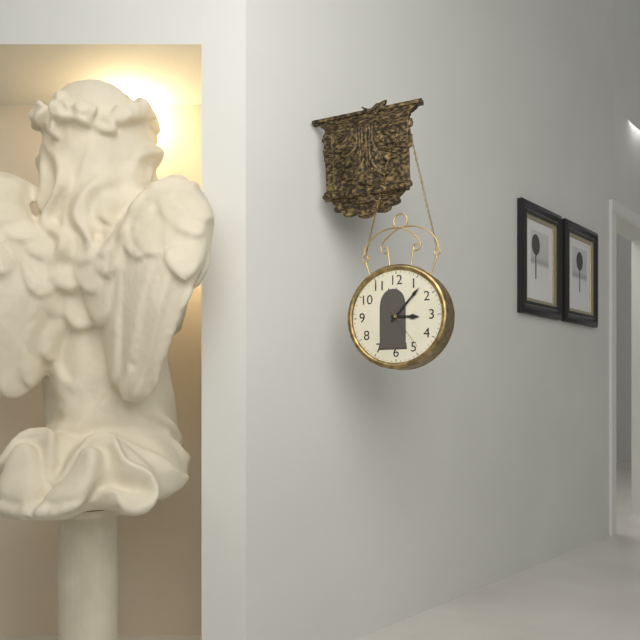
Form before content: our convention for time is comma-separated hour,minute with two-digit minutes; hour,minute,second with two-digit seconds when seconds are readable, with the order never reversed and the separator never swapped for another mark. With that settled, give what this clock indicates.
3,07
